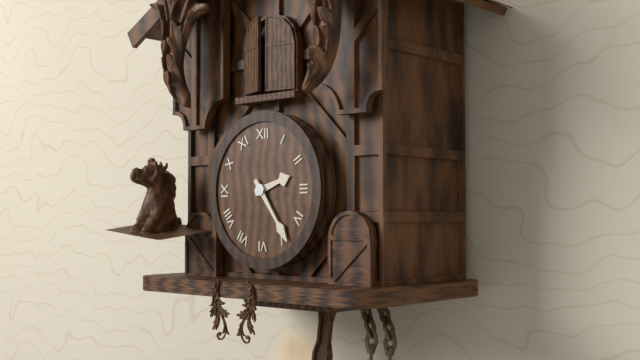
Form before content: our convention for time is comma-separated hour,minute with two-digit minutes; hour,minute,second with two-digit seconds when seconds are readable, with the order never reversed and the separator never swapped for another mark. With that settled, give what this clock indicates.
2,24
